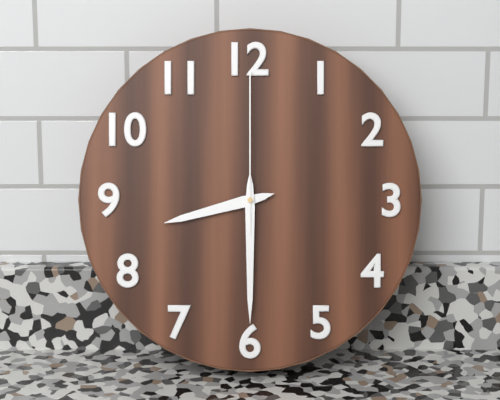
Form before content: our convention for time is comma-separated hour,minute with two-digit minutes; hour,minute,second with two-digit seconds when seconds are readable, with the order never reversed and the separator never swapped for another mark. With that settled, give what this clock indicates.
8,30,00
